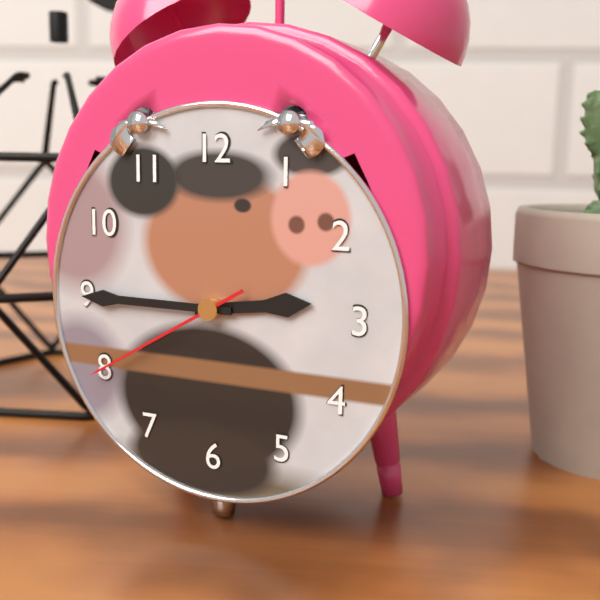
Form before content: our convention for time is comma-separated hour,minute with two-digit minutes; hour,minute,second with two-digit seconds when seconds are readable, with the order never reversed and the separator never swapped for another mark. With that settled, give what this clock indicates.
2,45,40
